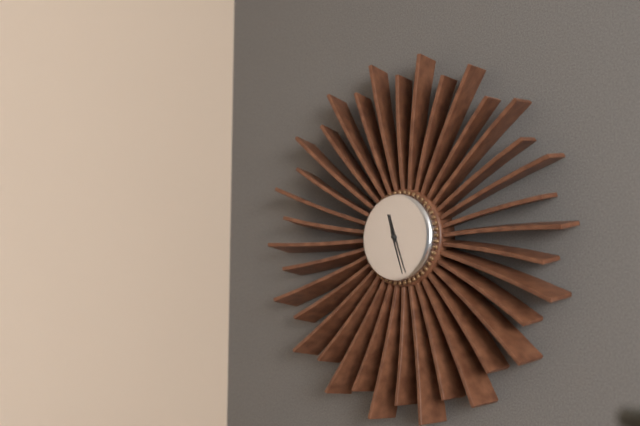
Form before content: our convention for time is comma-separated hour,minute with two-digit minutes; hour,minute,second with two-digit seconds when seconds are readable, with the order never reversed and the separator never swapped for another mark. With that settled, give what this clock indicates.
11,27
